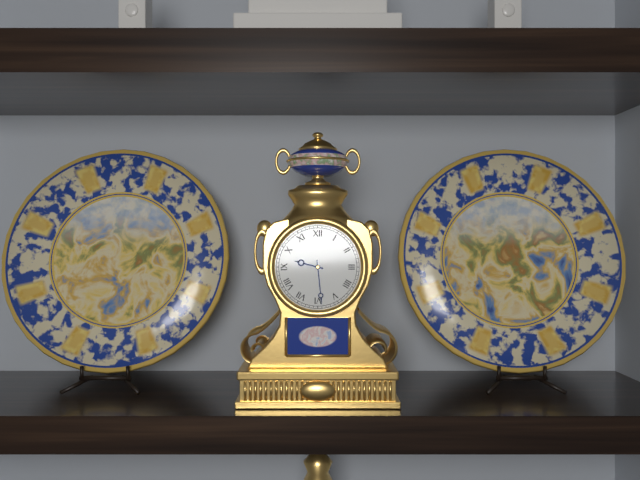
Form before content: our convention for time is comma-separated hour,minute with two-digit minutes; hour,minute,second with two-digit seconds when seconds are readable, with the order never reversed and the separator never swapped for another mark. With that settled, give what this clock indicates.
9,29
